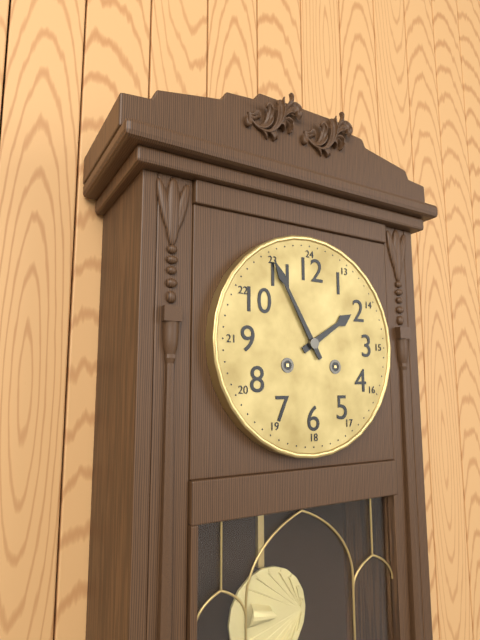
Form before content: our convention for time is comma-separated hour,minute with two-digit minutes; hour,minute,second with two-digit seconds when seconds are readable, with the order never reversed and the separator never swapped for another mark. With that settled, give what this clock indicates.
1,55
